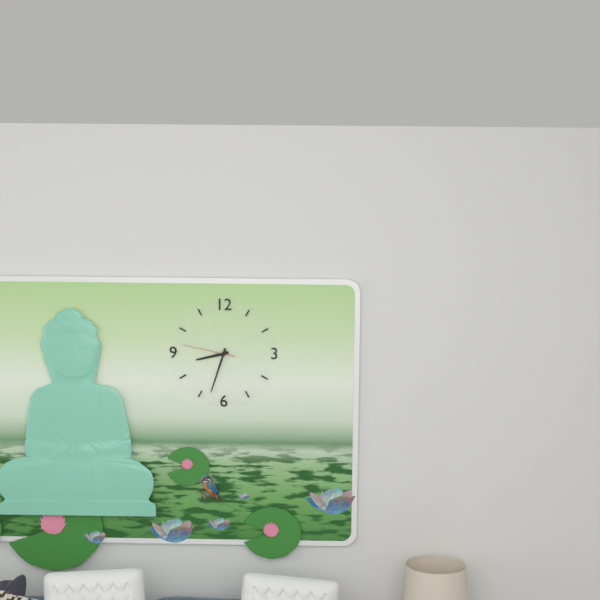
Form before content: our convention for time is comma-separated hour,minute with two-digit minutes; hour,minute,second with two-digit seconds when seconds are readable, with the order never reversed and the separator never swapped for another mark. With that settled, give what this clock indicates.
8,33,47
